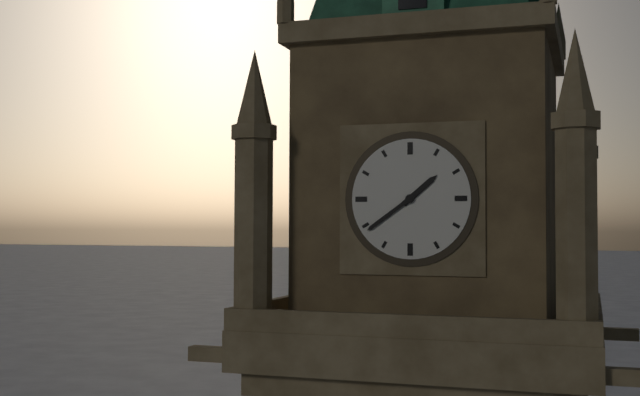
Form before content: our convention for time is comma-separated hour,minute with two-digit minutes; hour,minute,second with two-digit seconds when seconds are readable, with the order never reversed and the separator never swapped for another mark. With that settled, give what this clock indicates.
1,39
